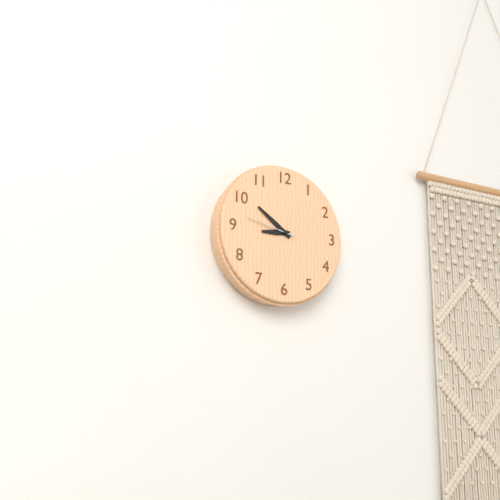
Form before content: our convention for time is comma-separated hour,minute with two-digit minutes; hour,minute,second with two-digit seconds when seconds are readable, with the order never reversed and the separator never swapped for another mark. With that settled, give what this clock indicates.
8,51,47
